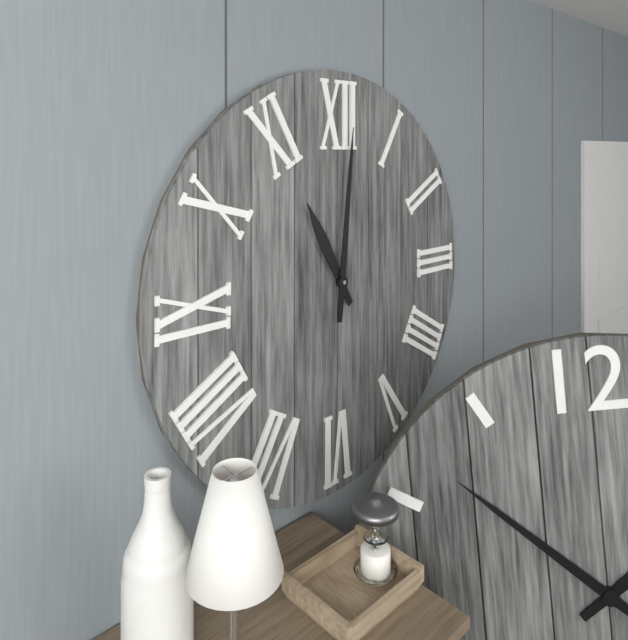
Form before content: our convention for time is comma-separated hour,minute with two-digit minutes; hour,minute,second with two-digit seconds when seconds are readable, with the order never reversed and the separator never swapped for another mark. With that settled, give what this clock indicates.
11,01
